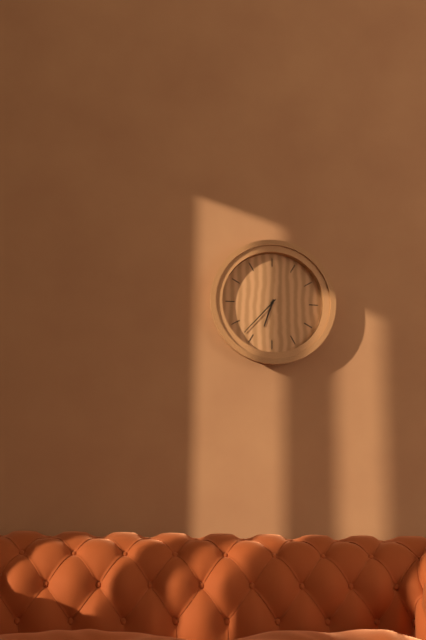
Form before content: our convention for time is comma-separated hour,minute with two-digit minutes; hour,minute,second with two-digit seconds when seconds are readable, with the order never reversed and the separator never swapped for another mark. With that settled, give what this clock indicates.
6,37
